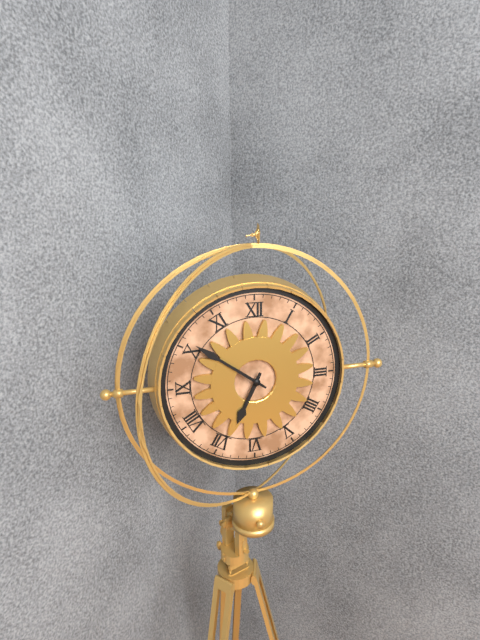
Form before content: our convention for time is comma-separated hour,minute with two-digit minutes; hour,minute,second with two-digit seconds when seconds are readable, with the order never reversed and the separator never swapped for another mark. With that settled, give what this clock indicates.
6,51
